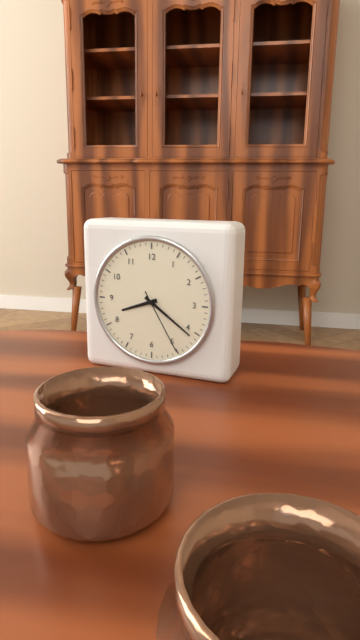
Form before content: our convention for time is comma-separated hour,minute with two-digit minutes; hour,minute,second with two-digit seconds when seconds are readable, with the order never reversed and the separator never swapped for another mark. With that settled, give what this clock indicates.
8,21,25
